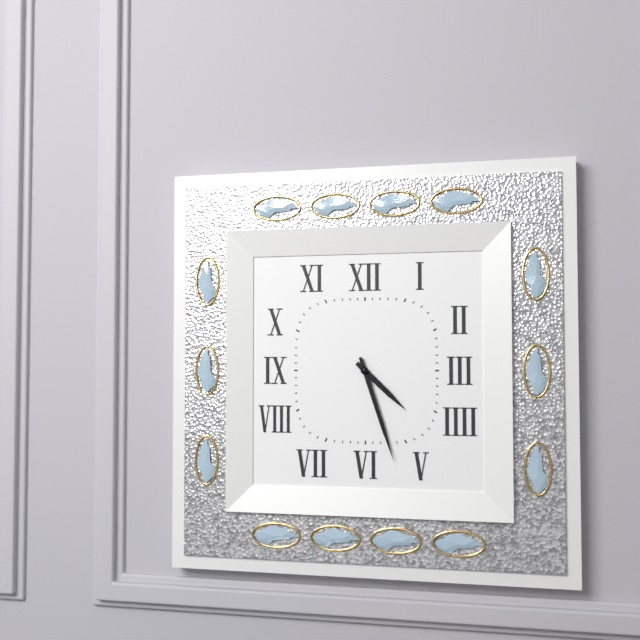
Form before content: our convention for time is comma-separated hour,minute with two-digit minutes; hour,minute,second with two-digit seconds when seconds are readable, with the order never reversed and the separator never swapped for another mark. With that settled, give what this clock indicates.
4,27
